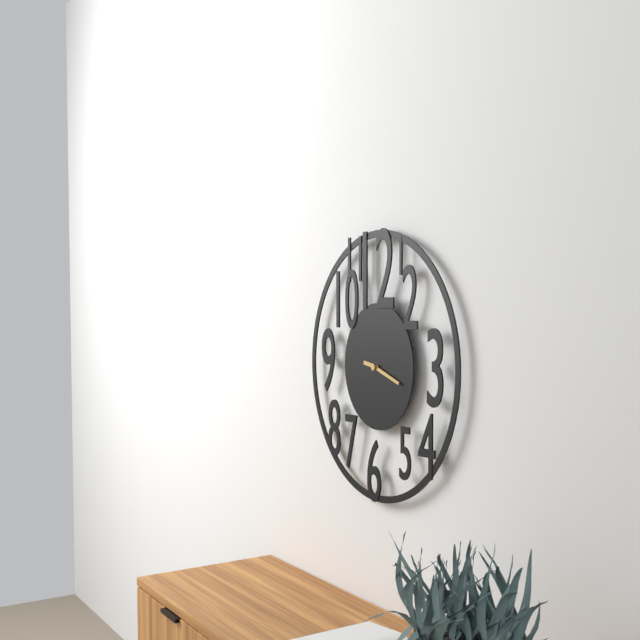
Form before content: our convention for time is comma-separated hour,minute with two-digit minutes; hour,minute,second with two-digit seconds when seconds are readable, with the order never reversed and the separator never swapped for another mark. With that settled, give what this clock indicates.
9,18
